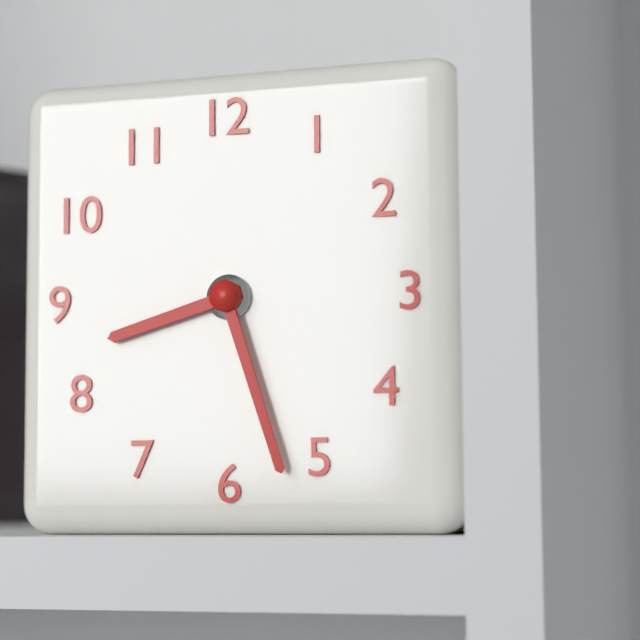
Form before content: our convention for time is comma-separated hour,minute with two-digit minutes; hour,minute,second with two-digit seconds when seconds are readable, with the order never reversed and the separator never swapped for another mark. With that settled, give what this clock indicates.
8,27
